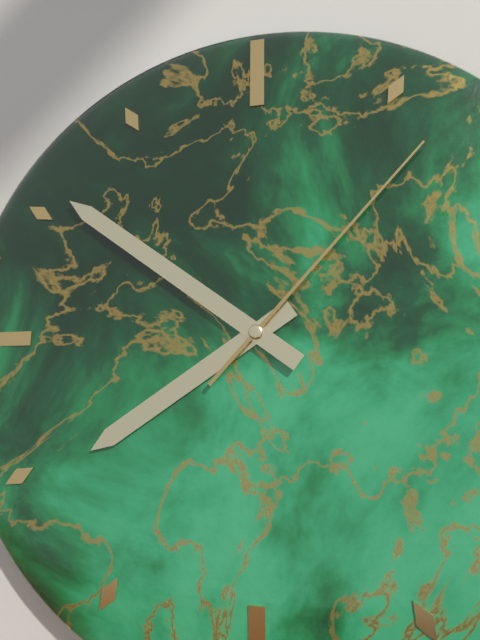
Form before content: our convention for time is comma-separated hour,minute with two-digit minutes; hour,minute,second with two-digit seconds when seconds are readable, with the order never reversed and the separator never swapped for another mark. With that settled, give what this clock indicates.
7,51,07
